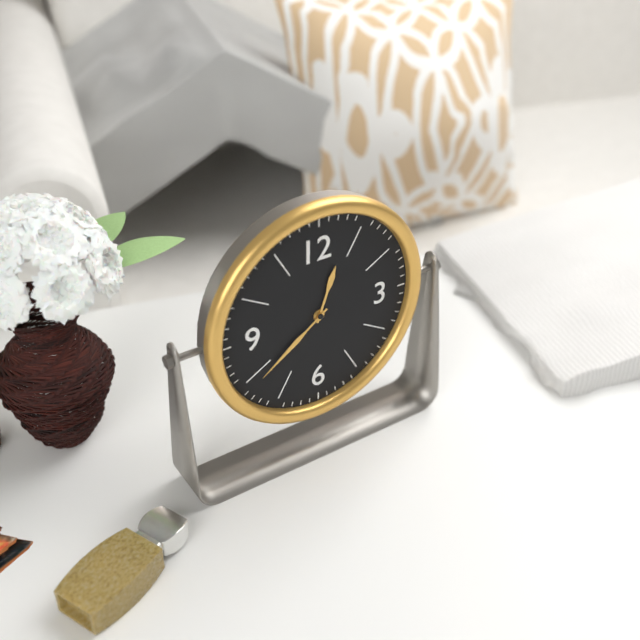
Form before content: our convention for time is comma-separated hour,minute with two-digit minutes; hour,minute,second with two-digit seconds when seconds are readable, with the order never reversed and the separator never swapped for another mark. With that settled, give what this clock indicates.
12,39
